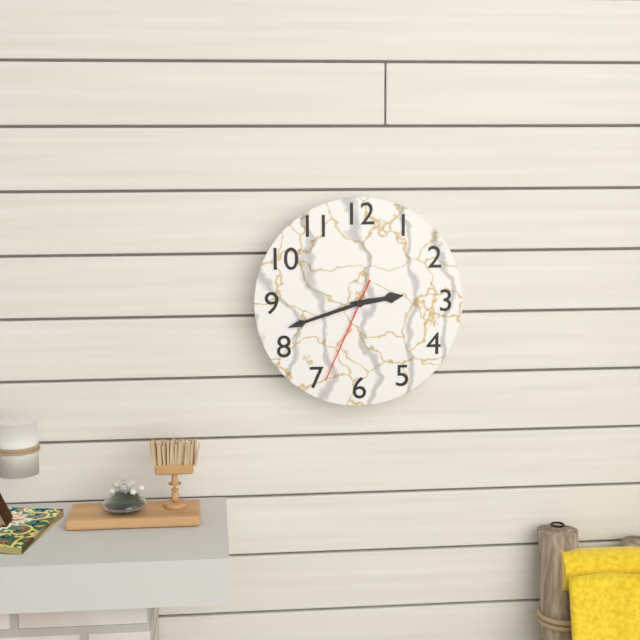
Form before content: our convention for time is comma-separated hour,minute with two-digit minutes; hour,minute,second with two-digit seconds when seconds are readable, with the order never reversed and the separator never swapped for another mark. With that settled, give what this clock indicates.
2,42,34
